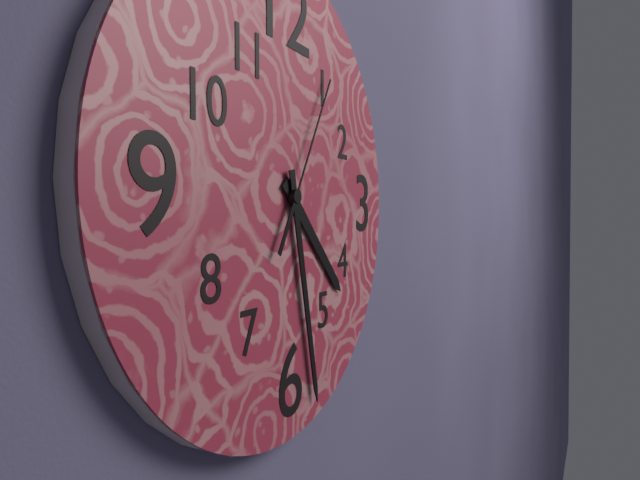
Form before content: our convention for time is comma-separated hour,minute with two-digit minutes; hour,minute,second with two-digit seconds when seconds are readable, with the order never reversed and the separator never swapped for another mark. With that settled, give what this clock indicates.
4,28,05
